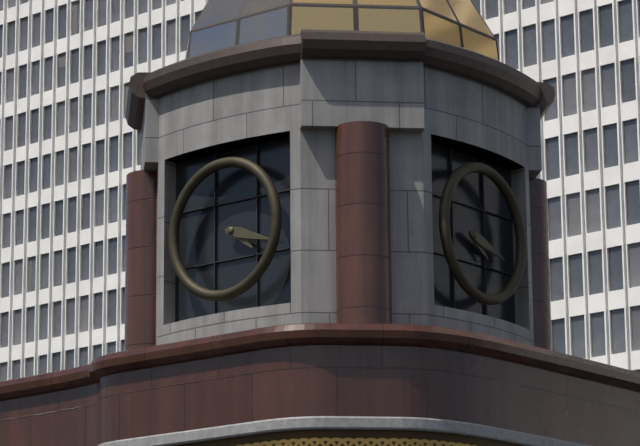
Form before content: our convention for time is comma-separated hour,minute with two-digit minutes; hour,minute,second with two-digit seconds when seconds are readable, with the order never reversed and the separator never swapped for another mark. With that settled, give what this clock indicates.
4,18
